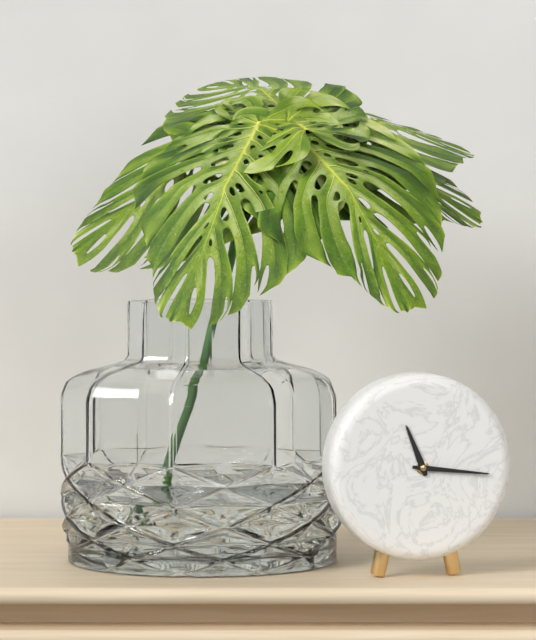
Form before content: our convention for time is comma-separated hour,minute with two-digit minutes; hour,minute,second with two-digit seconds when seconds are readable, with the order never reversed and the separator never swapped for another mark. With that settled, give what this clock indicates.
11,16
